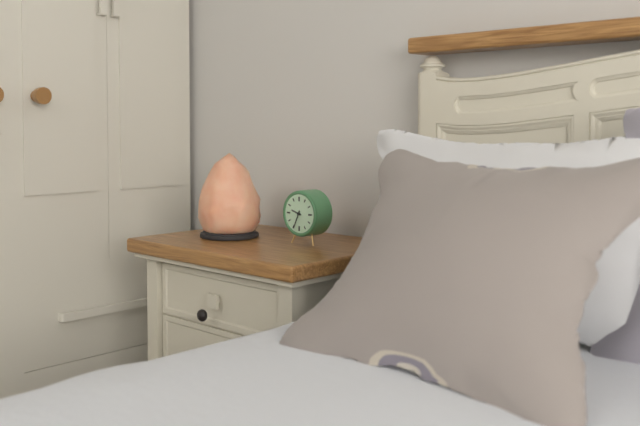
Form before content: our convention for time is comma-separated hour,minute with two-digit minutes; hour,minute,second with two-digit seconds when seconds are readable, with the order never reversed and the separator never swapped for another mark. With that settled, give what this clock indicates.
9,34
